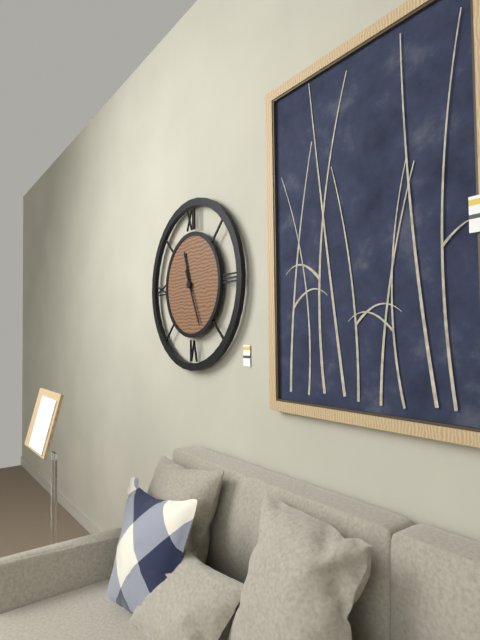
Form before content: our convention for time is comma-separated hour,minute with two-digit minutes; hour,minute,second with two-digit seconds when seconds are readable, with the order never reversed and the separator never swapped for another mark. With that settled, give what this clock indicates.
11,26
